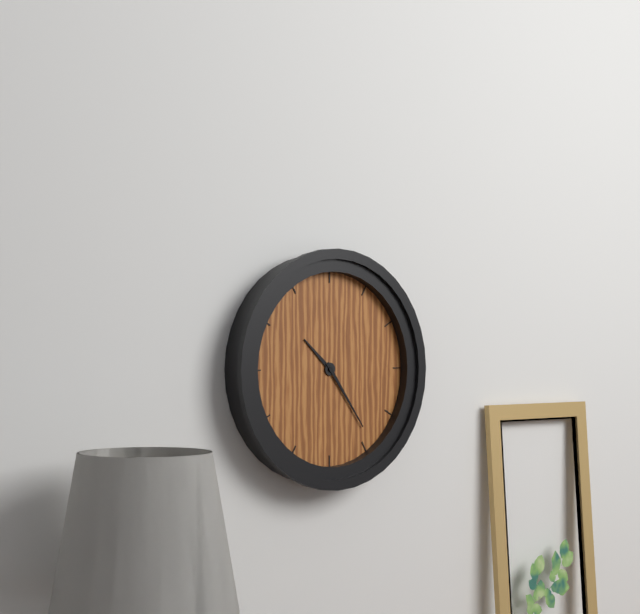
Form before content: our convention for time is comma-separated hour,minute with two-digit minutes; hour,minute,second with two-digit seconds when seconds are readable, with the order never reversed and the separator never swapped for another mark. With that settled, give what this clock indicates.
10,24
